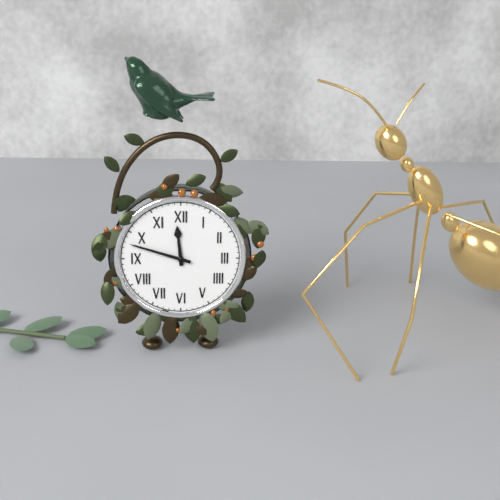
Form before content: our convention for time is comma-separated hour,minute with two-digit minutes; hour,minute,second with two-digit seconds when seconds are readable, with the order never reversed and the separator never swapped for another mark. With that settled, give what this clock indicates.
11,48
